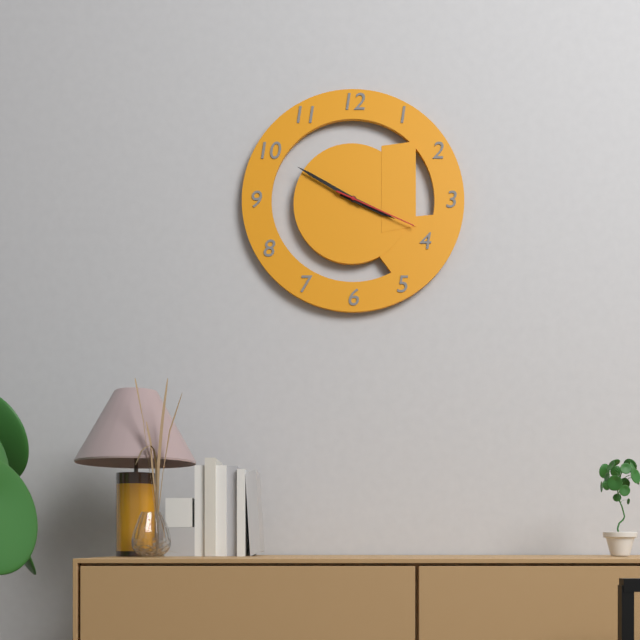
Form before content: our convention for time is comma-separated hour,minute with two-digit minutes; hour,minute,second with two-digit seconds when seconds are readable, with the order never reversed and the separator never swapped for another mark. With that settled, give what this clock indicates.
3,50,19
